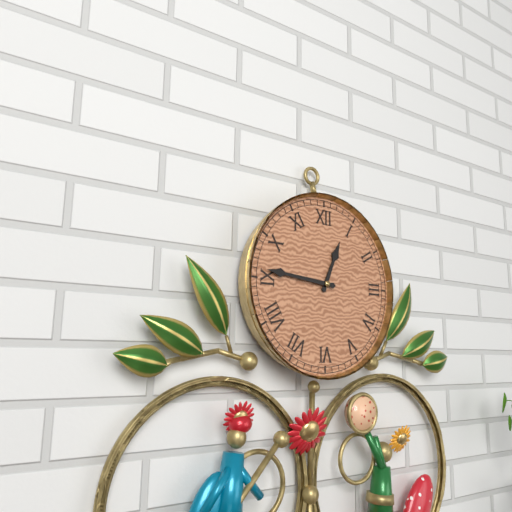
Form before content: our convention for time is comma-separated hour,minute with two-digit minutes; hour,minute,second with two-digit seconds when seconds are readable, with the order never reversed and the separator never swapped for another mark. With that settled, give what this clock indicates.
12,46
